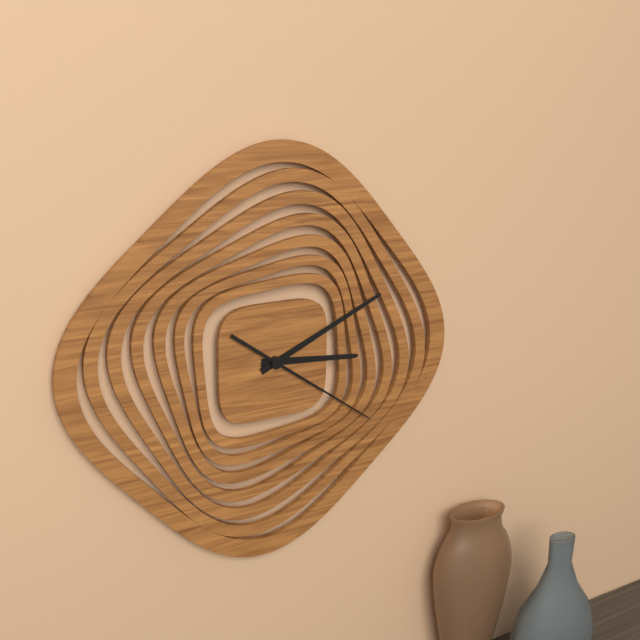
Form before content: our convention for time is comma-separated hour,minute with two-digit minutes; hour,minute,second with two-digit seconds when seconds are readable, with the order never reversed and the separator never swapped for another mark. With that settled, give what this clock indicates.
3,11,21
